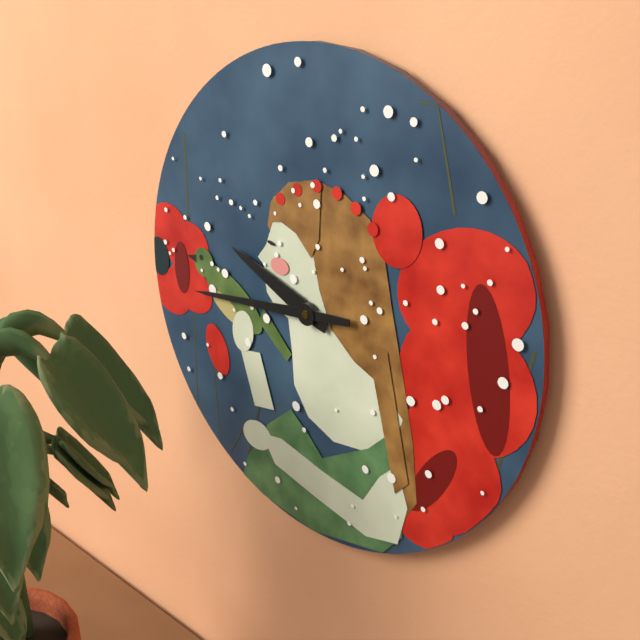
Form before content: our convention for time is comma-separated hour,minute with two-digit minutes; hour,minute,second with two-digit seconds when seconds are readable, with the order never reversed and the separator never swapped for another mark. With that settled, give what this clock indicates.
9,44
